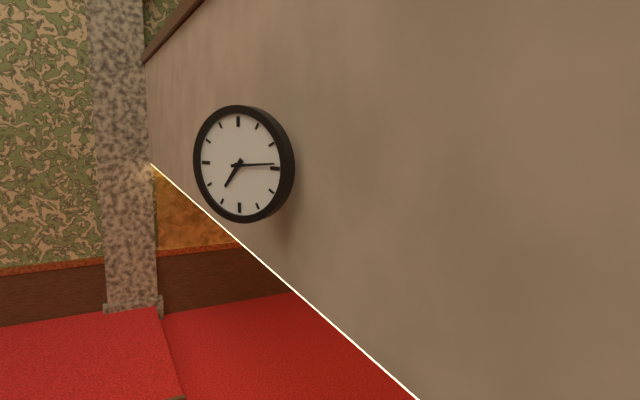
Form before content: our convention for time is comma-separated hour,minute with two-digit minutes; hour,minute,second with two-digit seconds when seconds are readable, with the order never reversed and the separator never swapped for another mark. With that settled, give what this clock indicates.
7,14
